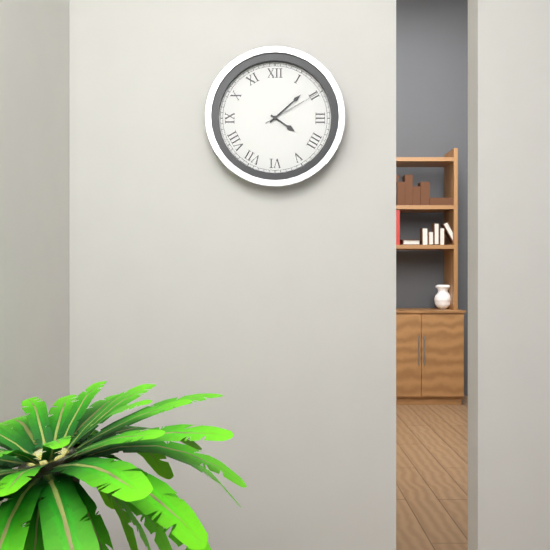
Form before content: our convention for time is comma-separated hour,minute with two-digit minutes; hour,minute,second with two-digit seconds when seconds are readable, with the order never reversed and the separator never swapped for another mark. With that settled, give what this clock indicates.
4,08,10
